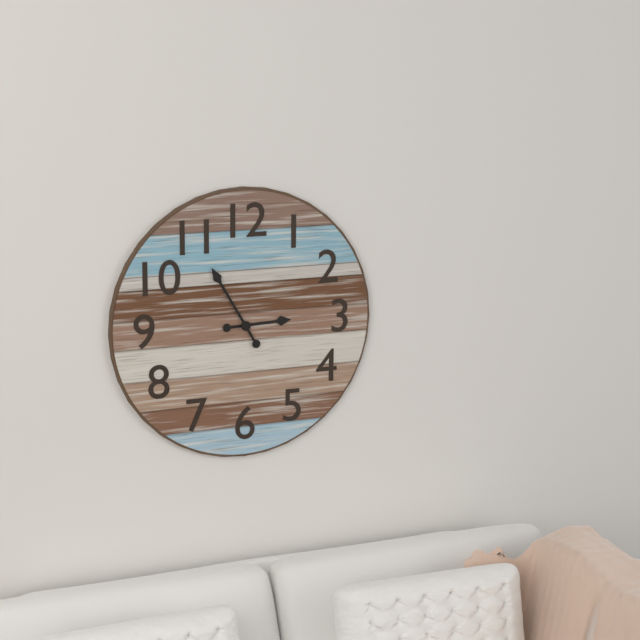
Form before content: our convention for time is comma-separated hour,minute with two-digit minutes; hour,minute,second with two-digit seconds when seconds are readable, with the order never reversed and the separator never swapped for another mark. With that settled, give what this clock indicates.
2,55
